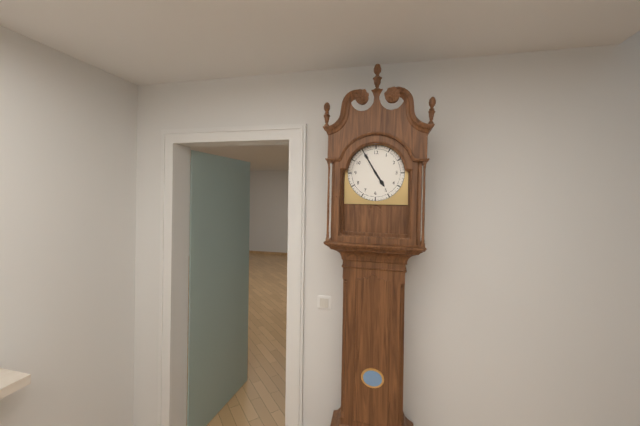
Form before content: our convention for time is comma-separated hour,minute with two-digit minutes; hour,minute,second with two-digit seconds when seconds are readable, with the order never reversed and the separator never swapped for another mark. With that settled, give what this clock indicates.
4,55
